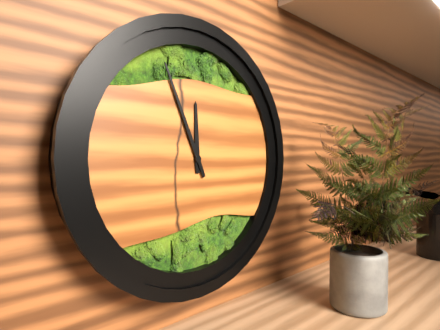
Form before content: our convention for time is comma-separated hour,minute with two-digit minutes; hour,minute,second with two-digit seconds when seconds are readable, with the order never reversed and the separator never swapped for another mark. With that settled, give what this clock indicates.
11,56
